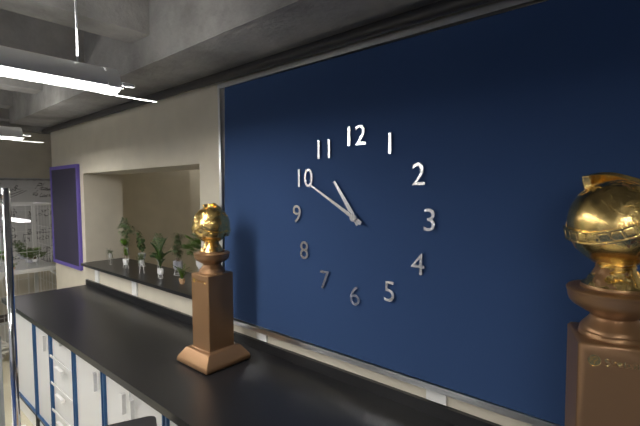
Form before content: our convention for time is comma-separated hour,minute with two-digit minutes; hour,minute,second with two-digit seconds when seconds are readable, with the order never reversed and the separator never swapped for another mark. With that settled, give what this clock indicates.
10,50
